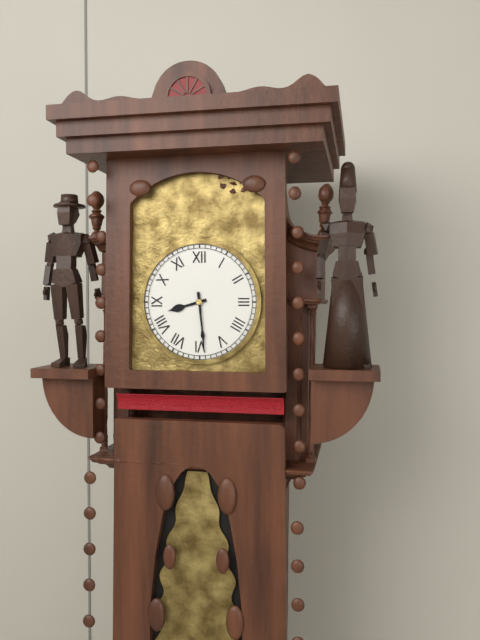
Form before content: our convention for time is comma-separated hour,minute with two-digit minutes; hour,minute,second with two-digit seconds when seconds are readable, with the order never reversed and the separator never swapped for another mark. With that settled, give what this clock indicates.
8,29
